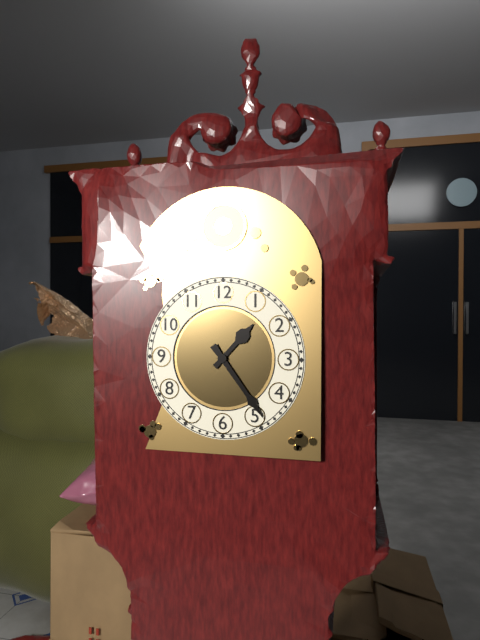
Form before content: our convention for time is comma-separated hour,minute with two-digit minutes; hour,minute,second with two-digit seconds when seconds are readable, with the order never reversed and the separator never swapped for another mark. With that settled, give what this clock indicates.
1,24
